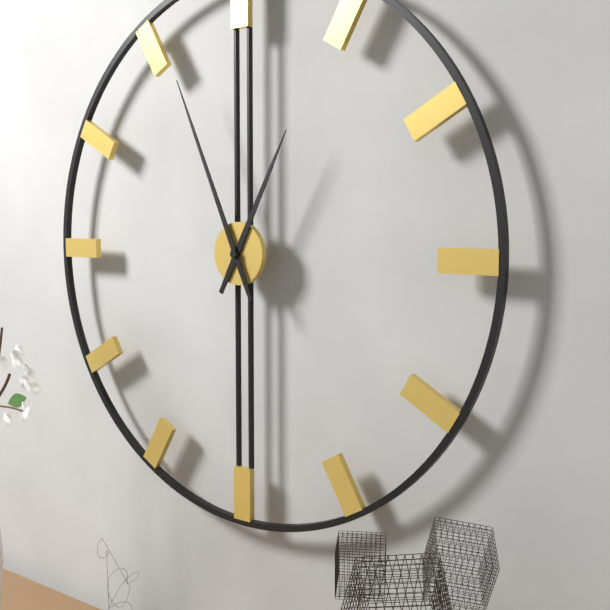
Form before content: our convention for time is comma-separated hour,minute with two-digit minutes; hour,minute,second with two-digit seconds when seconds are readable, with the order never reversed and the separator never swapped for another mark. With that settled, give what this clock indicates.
12,56
